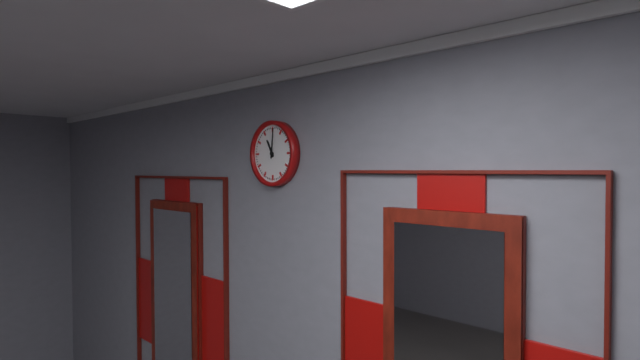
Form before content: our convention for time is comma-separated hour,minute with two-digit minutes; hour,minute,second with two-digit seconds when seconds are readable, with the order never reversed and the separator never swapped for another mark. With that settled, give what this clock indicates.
11,01
